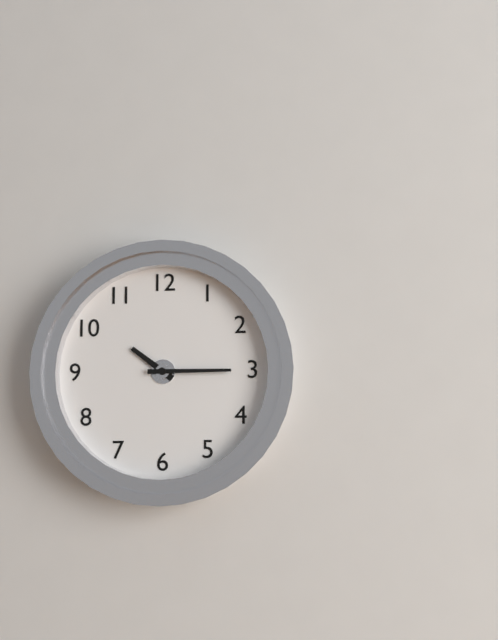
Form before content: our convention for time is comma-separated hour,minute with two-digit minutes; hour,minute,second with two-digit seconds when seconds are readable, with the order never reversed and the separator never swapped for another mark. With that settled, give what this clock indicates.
10,15
